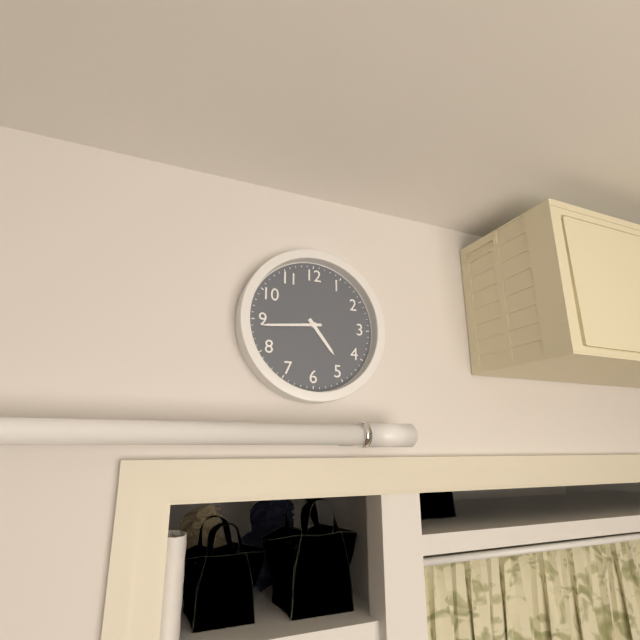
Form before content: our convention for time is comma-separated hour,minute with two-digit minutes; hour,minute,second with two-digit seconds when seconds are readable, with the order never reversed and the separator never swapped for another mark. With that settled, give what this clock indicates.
4,44
